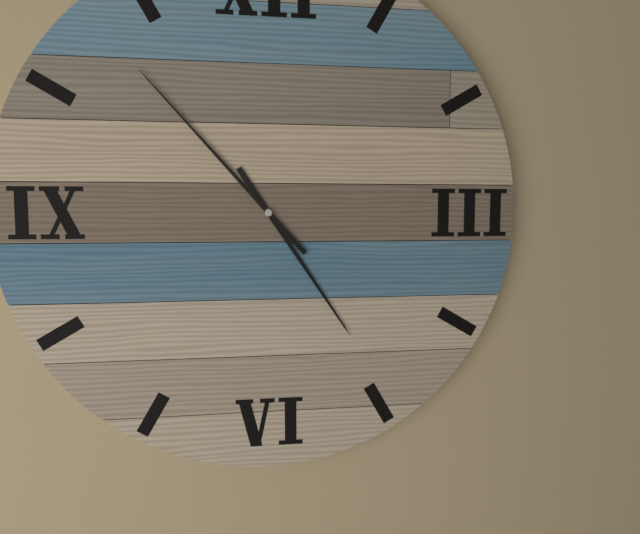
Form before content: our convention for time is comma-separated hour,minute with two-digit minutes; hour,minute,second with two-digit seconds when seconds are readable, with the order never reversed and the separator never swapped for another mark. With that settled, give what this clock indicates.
4,53
